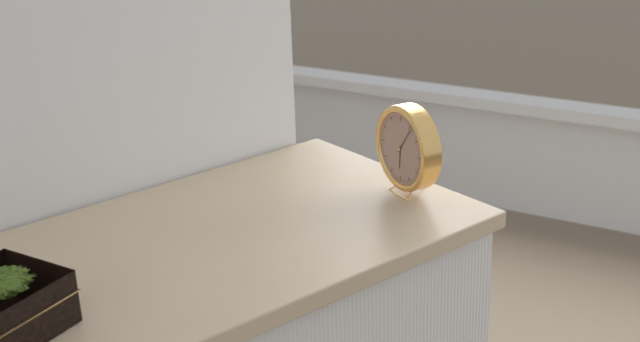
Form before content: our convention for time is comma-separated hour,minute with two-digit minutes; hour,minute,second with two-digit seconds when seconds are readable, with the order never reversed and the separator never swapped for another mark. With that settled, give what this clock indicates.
6,06
